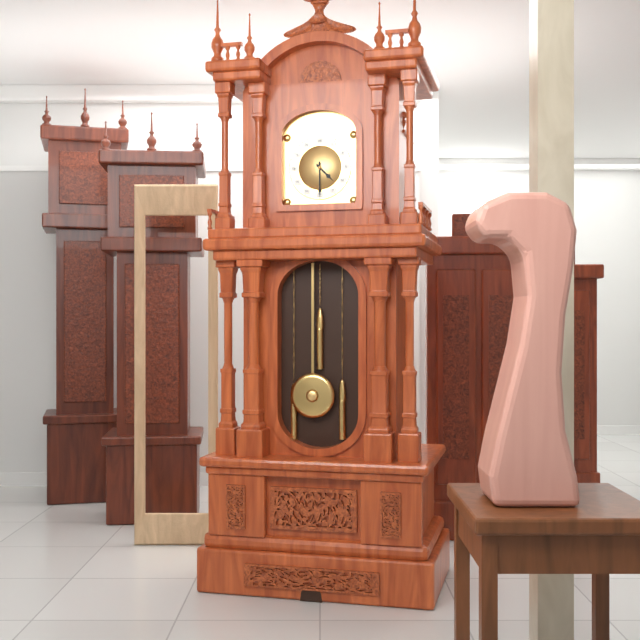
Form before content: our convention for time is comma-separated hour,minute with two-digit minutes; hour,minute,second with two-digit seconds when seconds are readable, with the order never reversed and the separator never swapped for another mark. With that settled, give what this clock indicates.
4,30
